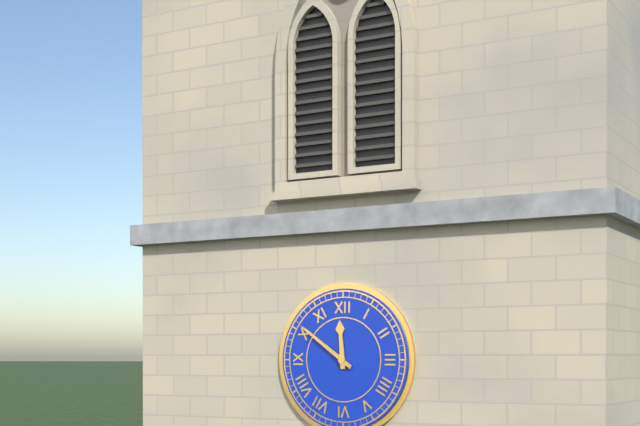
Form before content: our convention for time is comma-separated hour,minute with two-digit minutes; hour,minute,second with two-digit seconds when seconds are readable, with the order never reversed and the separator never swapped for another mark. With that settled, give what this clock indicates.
11,51
